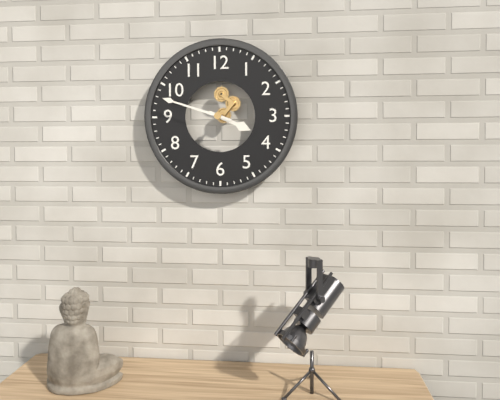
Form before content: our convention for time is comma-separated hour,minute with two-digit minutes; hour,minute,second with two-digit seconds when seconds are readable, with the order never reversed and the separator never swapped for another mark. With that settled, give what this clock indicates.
3,48
